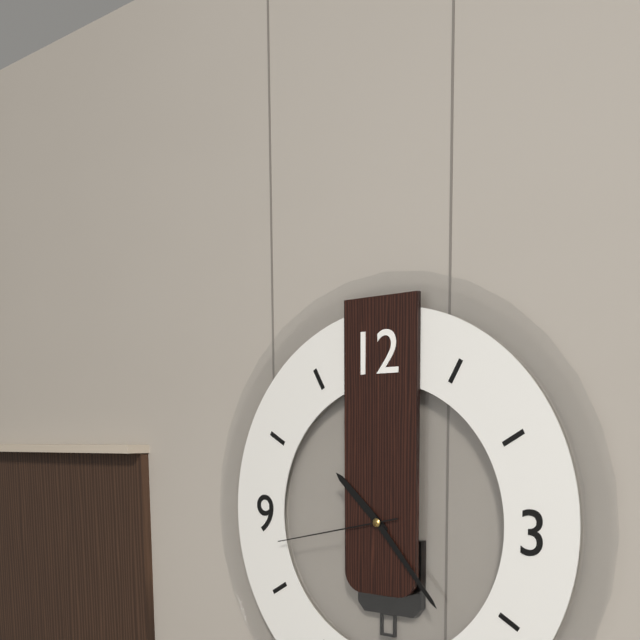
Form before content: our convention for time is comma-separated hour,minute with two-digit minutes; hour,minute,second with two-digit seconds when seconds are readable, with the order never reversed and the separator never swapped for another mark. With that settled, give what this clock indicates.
10,23,43
